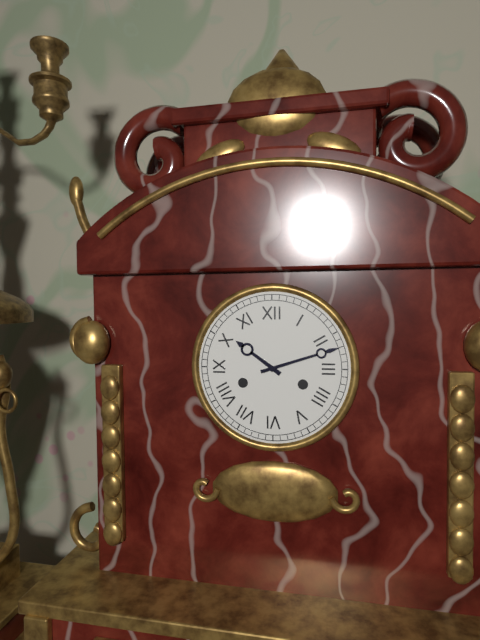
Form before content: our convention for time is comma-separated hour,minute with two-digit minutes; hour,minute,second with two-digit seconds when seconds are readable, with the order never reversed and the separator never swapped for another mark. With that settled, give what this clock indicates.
10,12
